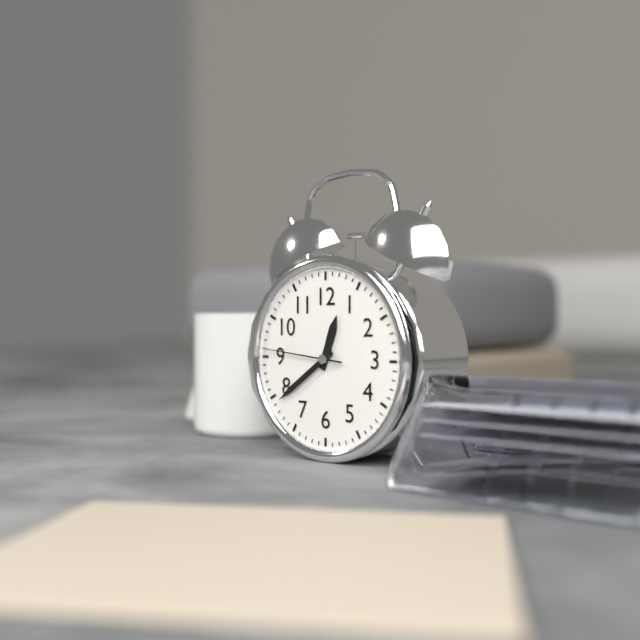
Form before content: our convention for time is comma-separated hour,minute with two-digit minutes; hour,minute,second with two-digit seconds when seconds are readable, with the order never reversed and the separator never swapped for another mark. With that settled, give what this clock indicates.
12,39,46
